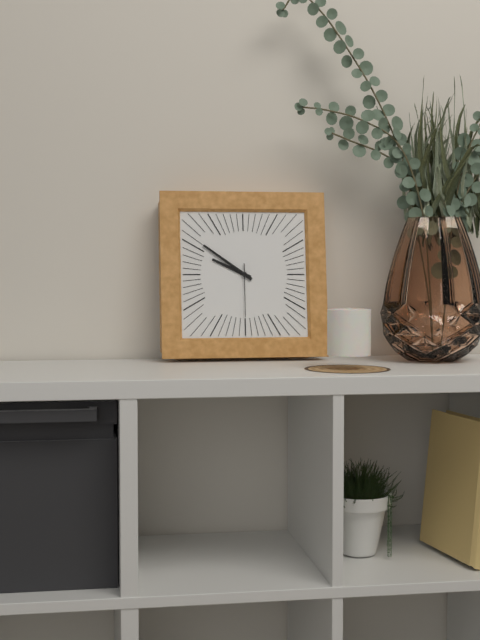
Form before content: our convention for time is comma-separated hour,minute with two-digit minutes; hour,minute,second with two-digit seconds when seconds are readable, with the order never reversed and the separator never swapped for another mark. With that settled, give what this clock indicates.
9,51,30
